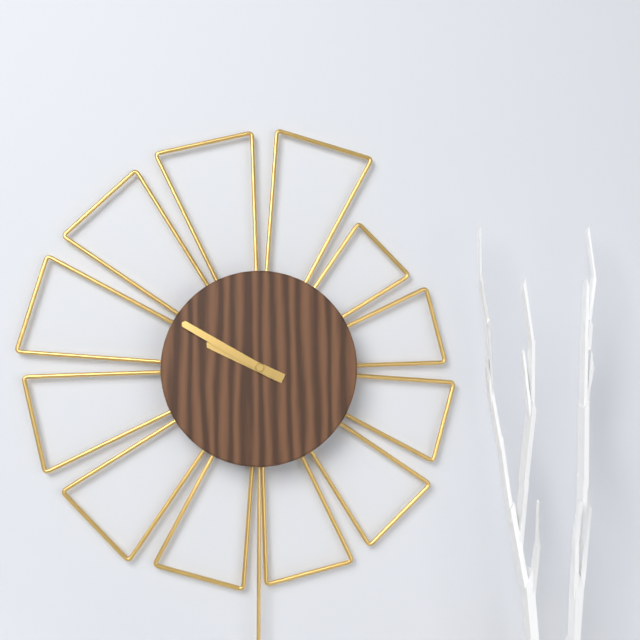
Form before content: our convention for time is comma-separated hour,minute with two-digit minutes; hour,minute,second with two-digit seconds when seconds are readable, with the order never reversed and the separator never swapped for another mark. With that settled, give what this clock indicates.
9,50
